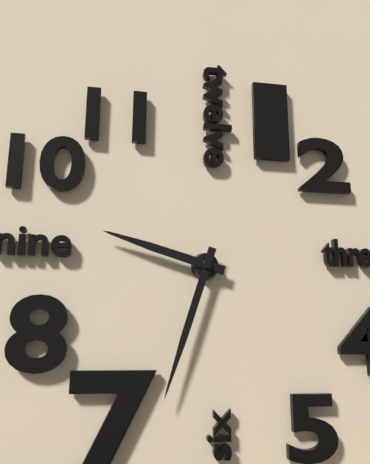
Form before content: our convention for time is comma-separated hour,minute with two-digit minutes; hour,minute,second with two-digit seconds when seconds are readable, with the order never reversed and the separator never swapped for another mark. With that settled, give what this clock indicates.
9,33
